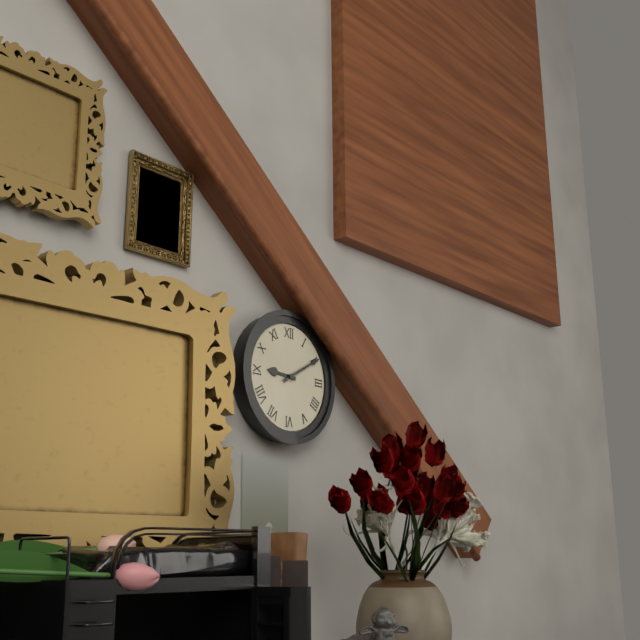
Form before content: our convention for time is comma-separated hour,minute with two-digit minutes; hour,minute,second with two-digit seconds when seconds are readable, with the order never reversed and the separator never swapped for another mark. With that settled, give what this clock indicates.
9,10
